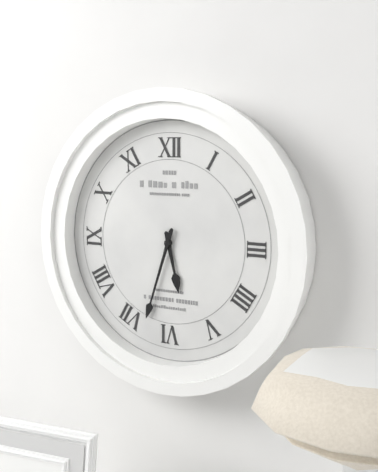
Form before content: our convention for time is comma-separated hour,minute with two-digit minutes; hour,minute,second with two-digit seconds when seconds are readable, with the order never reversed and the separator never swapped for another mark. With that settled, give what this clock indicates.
5,33
